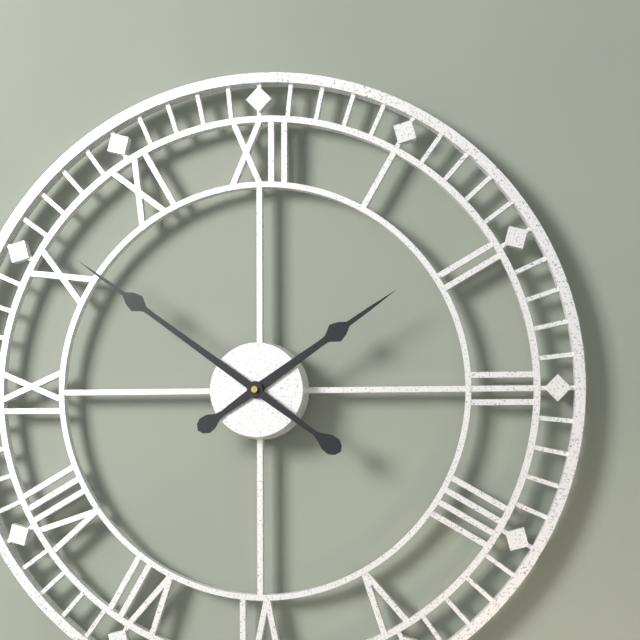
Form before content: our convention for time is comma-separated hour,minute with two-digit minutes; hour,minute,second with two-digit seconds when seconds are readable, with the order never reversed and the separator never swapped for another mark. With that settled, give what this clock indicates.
1,51
